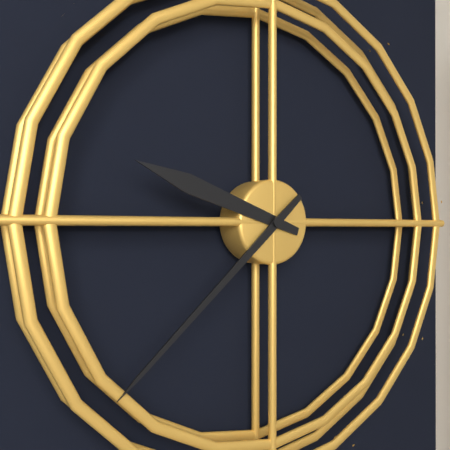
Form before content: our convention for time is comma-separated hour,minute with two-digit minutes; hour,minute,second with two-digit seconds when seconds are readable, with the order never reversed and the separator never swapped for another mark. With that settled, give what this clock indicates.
9,38
